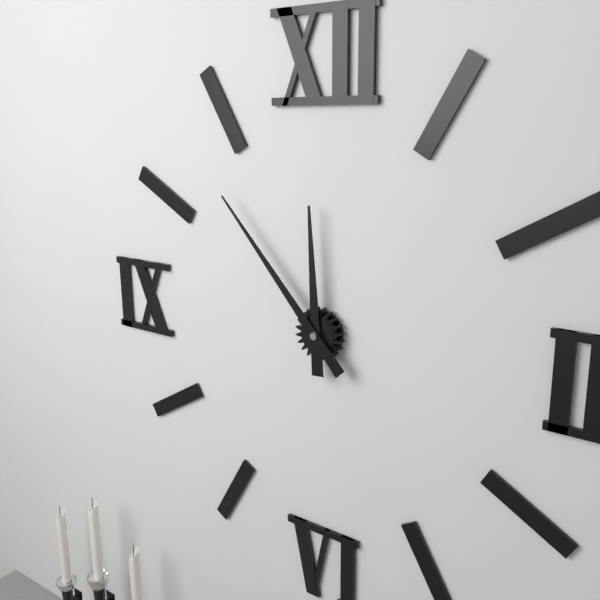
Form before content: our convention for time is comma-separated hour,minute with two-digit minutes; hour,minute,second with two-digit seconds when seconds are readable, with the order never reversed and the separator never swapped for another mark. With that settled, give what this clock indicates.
11,53
